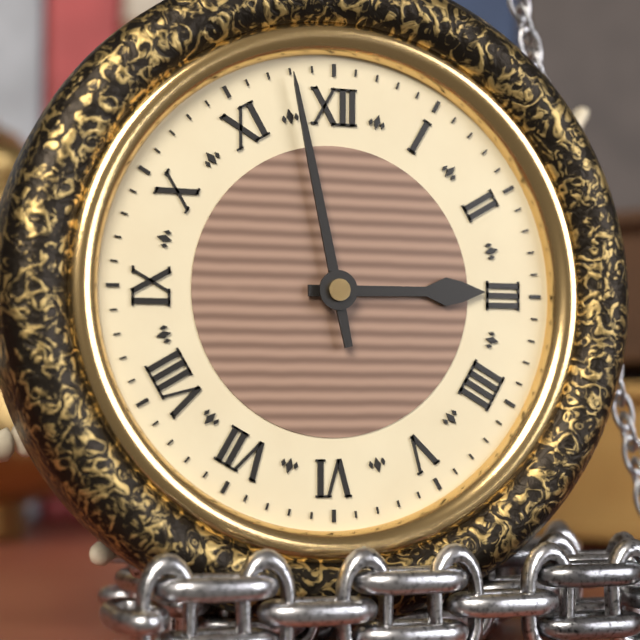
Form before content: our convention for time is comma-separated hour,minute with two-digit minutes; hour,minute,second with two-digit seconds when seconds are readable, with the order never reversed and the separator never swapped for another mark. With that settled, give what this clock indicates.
2,58
